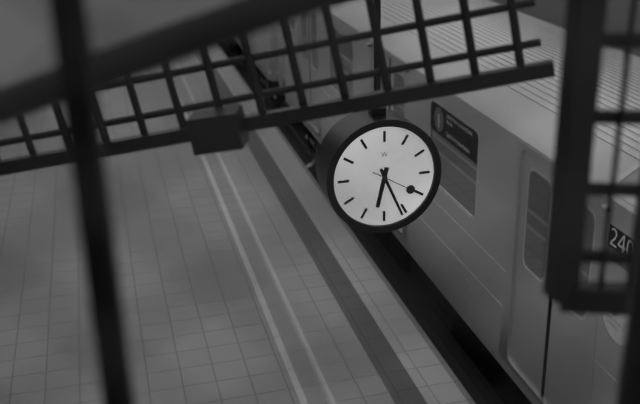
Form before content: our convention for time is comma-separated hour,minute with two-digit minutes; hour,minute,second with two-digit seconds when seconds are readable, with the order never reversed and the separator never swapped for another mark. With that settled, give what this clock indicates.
6,26,20
